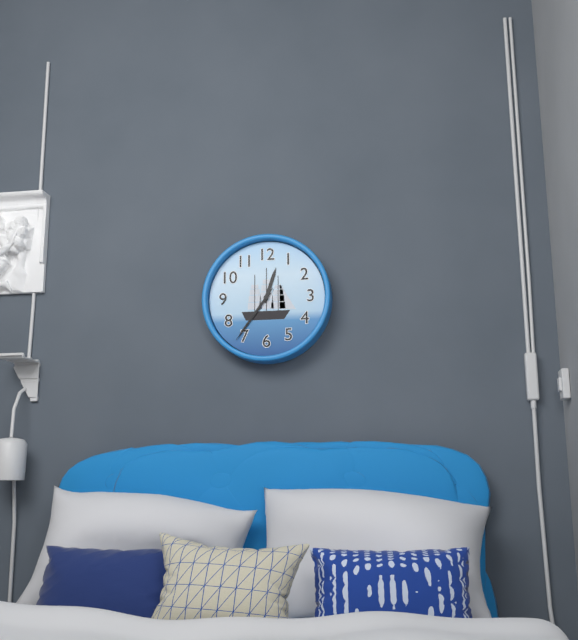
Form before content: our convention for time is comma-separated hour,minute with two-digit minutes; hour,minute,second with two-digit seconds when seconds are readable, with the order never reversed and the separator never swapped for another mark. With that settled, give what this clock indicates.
12,36,36
